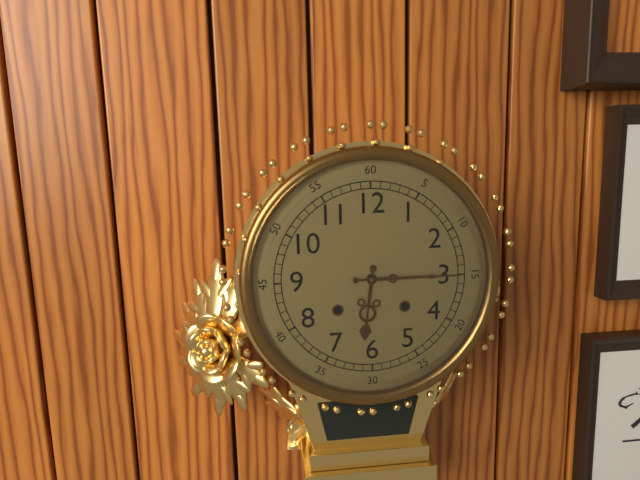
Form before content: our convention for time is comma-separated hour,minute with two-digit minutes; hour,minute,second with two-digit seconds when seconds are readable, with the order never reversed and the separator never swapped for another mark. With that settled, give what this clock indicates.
6,15
